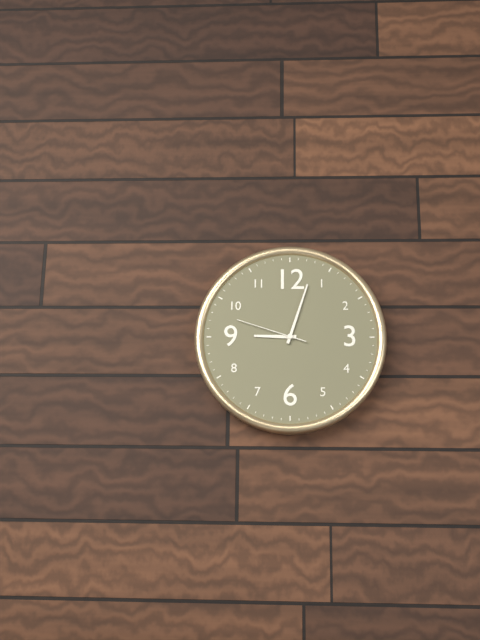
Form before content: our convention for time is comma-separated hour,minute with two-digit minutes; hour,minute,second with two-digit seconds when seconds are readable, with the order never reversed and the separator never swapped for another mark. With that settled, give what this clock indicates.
9,03,48
